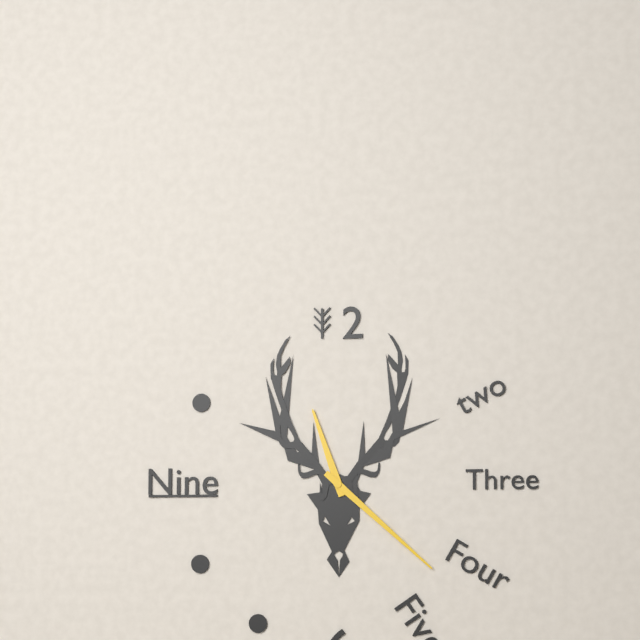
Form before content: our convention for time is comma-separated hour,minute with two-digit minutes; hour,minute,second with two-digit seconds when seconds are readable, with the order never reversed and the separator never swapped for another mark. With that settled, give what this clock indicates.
11,22
